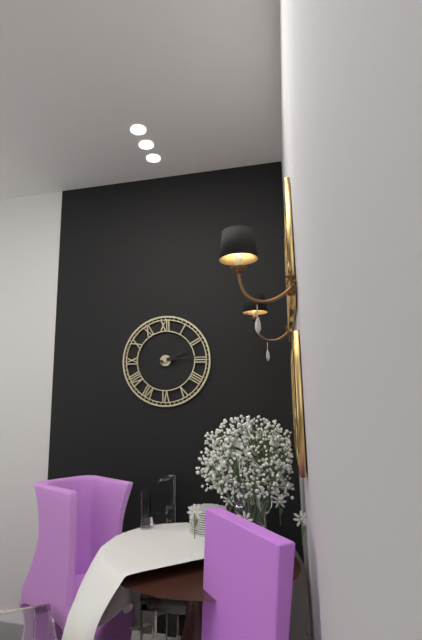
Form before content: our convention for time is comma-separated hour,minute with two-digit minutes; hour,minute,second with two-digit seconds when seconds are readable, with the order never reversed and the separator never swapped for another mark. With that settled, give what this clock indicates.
2,14
